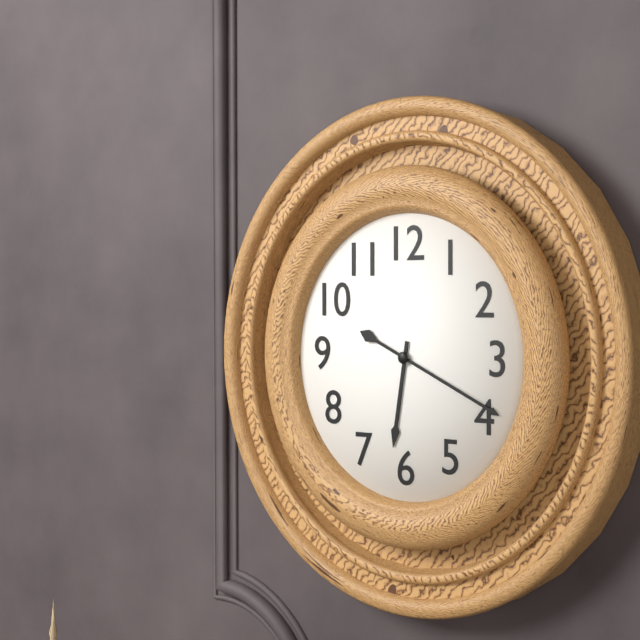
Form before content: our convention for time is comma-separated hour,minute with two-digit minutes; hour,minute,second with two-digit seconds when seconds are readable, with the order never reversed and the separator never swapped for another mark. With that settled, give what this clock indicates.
6,19
